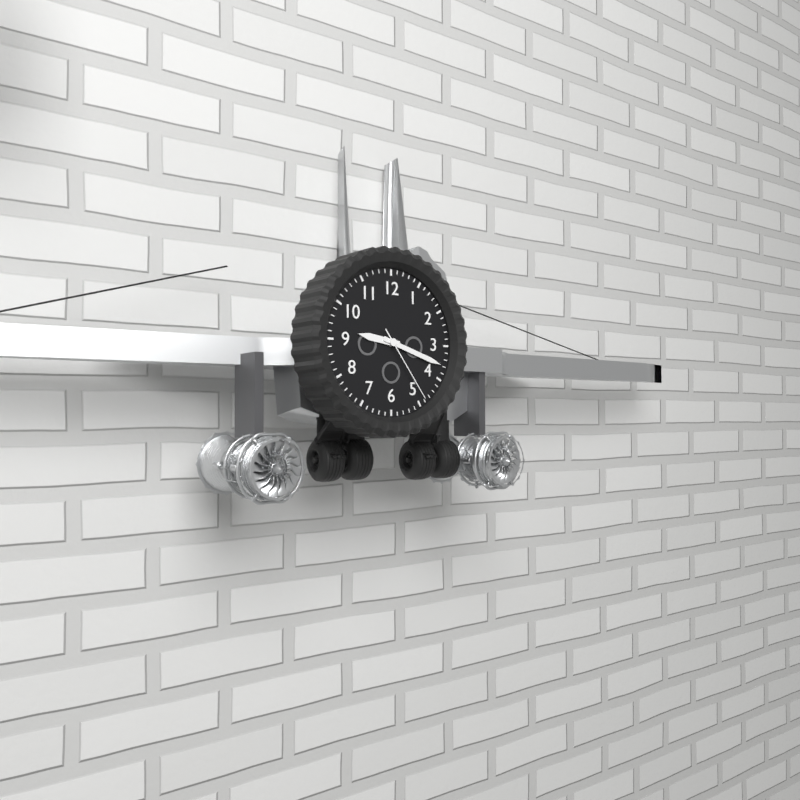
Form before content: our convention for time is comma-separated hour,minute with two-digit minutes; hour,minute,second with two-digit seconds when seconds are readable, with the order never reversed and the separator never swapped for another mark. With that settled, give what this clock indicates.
9,18,24
